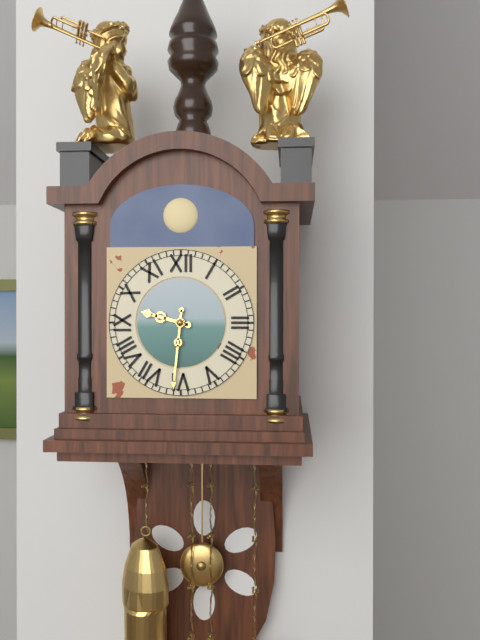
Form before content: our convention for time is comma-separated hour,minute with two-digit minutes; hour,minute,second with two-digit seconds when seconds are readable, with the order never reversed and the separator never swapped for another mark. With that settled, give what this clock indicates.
9,31
